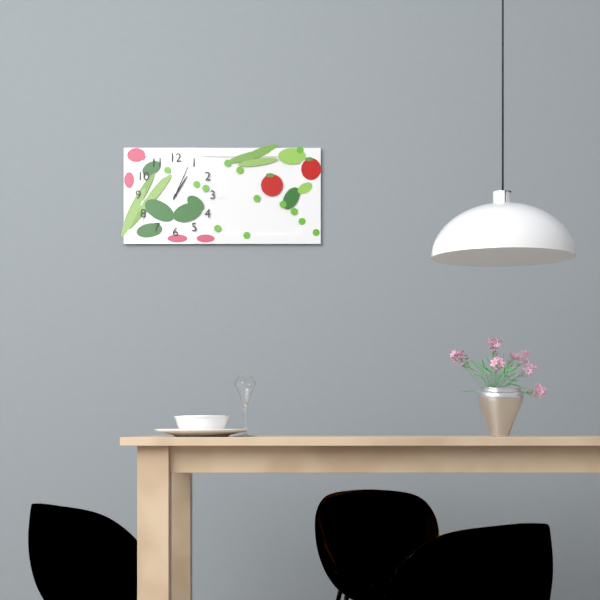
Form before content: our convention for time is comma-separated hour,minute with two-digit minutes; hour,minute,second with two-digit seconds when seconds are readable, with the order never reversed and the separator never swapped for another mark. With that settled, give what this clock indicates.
1,04
